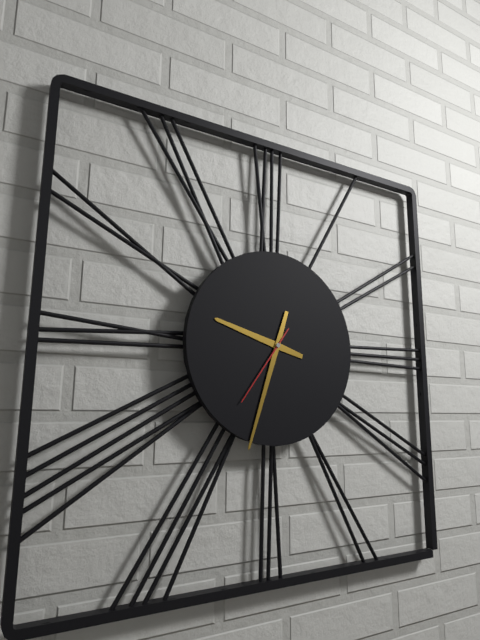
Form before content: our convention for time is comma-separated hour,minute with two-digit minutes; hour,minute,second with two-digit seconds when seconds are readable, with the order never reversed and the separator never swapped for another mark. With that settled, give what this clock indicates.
9,33,36
